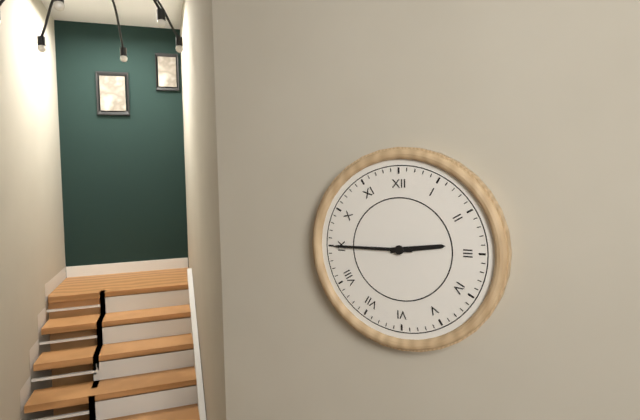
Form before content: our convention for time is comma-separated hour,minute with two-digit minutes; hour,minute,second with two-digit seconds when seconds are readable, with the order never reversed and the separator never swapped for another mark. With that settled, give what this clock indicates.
2,45
